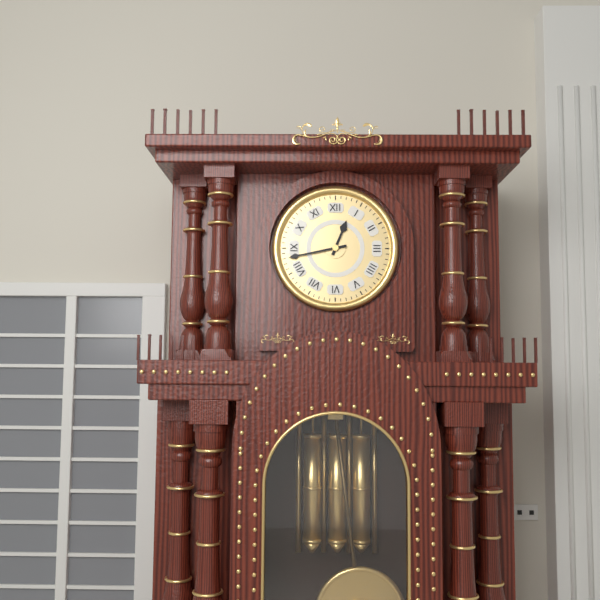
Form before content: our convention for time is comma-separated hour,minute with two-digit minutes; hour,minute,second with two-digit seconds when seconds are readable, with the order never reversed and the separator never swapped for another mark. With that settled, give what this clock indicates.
12,43
